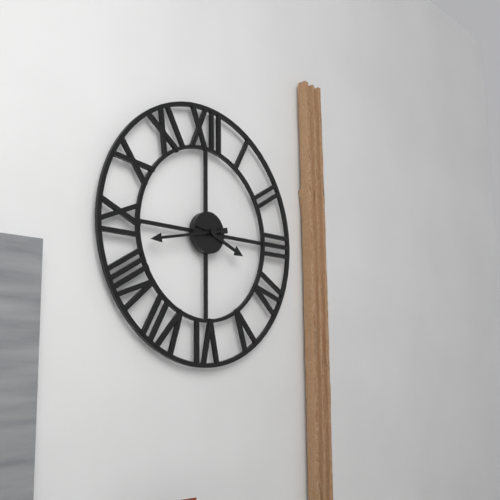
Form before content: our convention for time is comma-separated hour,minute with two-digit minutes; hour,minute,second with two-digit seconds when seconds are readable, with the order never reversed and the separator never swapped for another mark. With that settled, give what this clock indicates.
3,43
